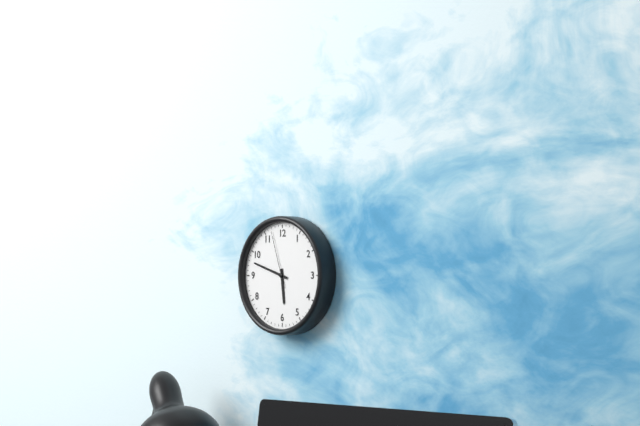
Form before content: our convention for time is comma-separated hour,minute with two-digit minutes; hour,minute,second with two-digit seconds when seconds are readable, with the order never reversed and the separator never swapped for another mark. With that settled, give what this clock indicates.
5,48,57
